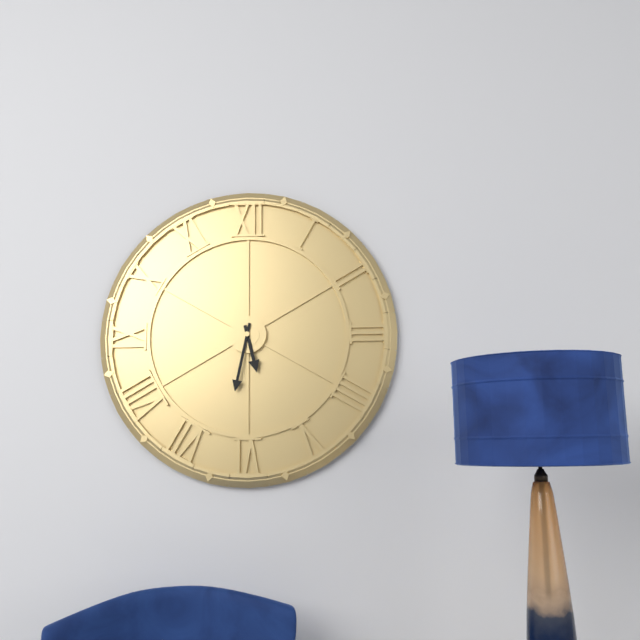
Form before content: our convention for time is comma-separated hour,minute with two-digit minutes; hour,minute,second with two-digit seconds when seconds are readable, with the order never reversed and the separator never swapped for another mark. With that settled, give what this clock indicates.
5,32
